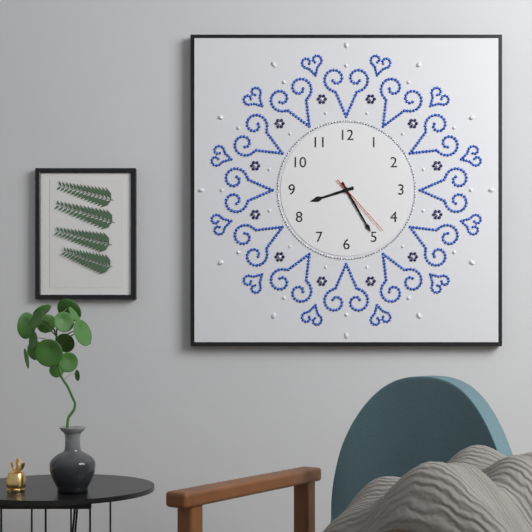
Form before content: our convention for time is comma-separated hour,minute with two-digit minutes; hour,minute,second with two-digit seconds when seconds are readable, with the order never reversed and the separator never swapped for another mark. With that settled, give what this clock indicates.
8,25,23
